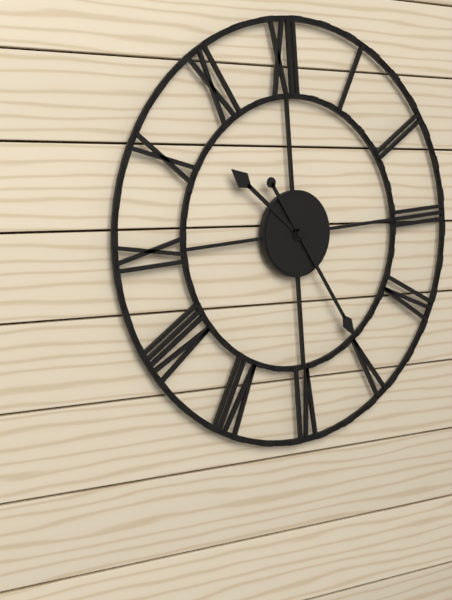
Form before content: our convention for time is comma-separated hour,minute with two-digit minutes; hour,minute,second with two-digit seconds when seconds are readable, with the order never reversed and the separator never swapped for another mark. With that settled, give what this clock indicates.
10,25
